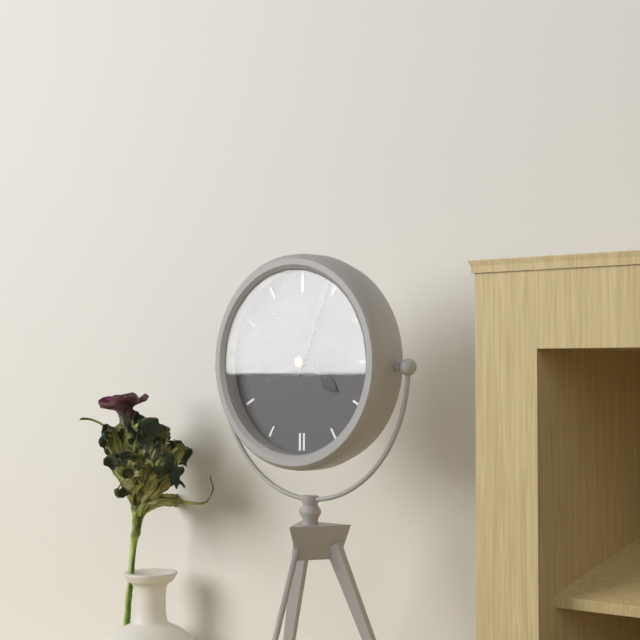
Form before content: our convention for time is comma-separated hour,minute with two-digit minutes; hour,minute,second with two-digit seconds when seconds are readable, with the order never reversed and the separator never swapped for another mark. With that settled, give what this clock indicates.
4,04,45
